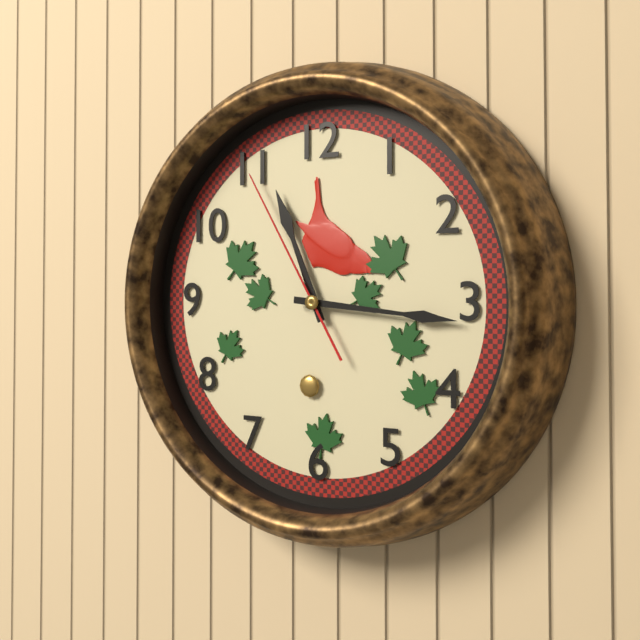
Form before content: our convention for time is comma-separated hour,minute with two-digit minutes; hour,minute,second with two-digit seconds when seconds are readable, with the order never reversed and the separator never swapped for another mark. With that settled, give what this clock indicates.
11,16,55
